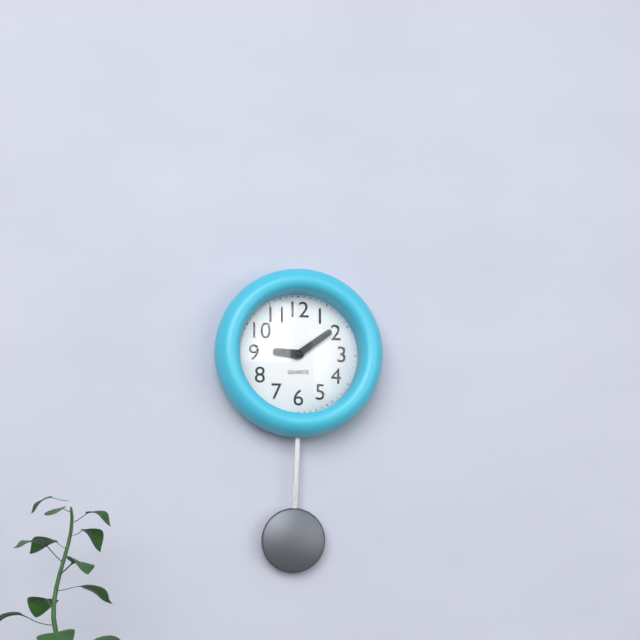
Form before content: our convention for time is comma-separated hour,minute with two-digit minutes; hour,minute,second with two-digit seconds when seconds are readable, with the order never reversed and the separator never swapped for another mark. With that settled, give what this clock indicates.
9,09
